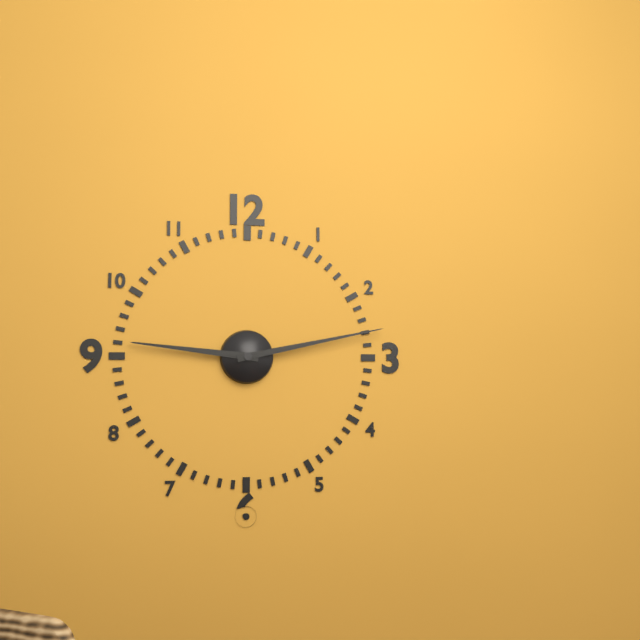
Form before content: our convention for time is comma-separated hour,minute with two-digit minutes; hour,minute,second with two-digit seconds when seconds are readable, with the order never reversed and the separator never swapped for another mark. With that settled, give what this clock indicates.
9,13
